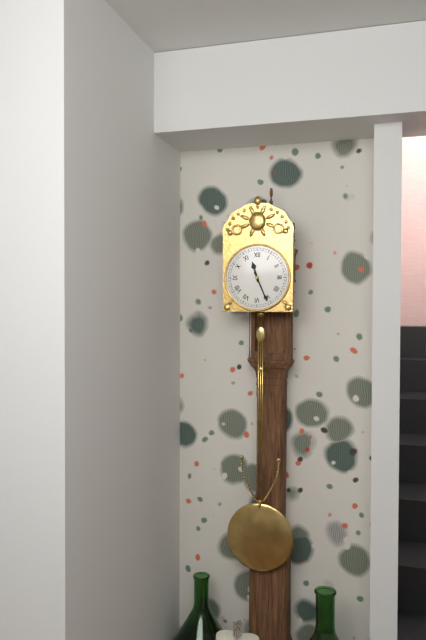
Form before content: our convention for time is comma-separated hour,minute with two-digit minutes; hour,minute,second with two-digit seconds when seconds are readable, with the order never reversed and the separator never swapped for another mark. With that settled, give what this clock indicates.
11,26
